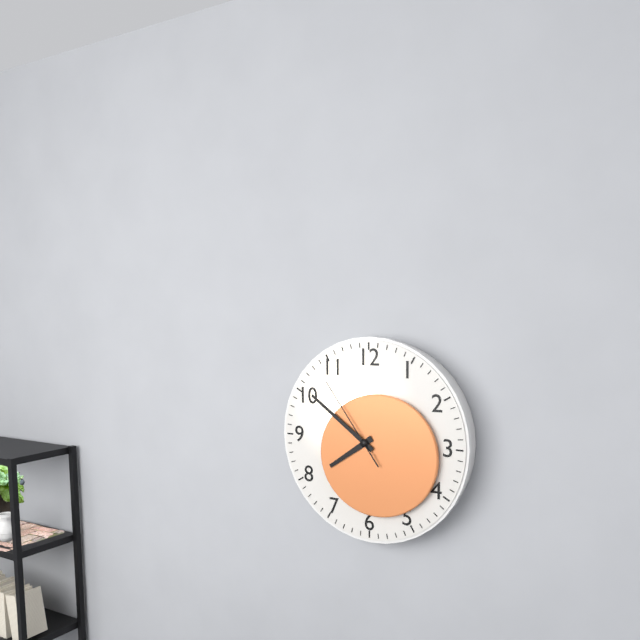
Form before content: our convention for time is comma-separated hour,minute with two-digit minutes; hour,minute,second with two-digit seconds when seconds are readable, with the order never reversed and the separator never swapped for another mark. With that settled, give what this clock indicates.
7,51,54
